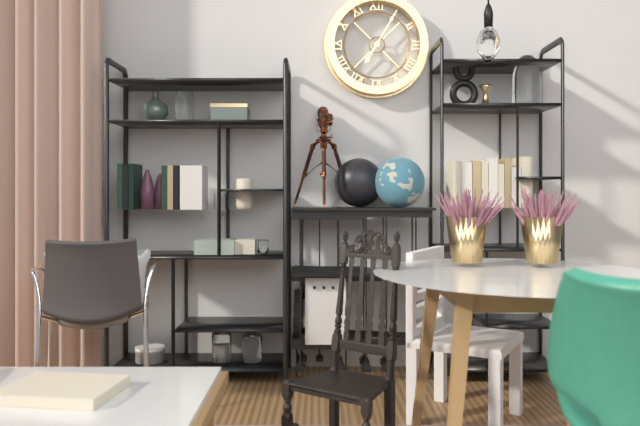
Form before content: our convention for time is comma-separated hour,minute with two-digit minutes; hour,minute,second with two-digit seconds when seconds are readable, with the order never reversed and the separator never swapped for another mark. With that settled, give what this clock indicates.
7,05
